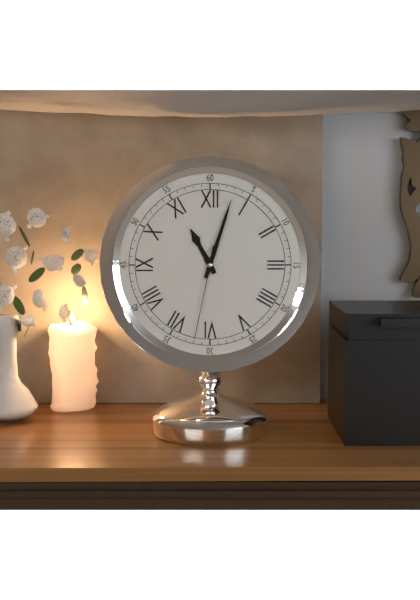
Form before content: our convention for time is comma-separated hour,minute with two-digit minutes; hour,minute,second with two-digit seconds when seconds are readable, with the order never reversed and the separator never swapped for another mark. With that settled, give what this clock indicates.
11,03,32
